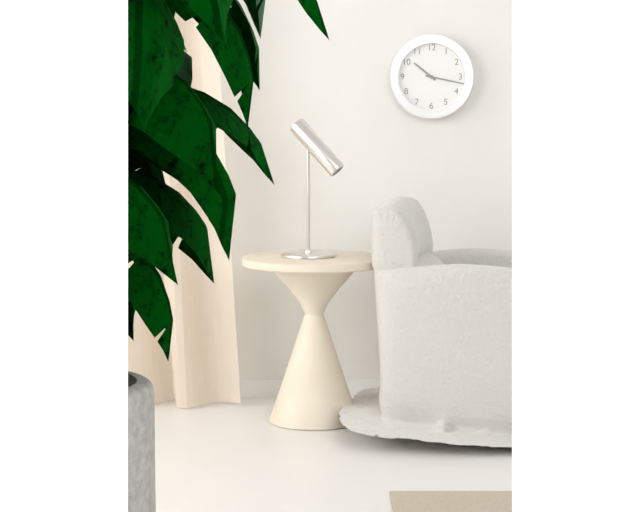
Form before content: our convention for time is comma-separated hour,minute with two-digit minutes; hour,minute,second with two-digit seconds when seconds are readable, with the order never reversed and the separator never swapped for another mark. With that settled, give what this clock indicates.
10,17
